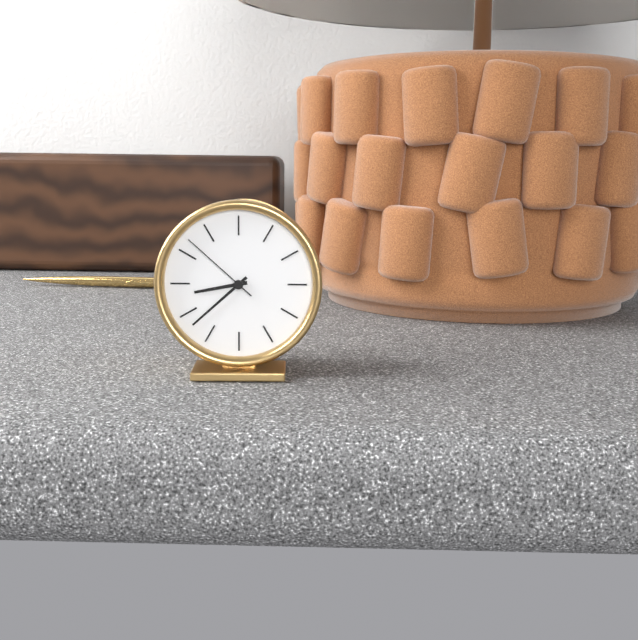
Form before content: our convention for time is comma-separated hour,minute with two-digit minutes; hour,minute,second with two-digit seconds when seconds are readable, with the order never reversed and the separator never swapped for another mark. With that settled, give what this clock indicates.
8,38,52
